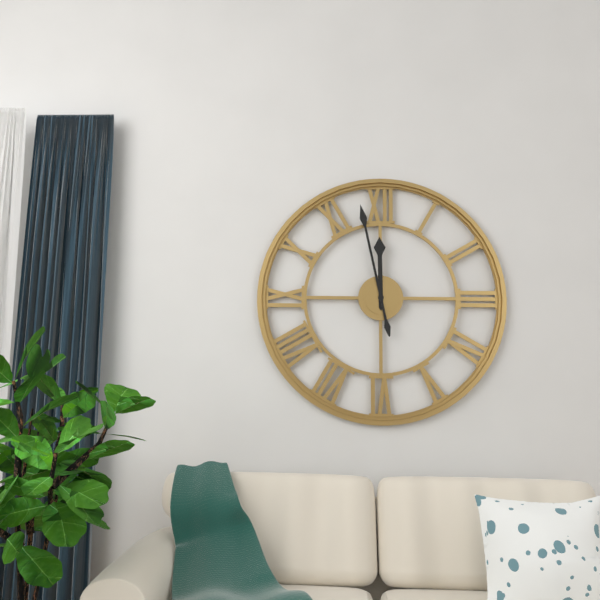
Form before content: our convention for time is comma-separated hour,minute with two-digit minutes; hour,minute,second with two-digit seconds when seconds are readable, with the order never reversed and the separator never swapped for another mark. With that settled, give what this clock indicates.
11,58
